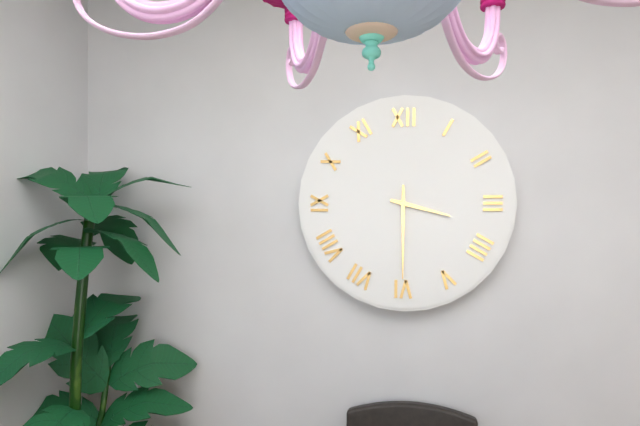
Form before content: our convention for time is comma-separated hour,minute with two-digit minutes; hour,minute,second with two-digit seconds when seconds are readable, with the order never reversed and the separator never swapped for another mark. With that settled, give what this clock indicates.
3,30
